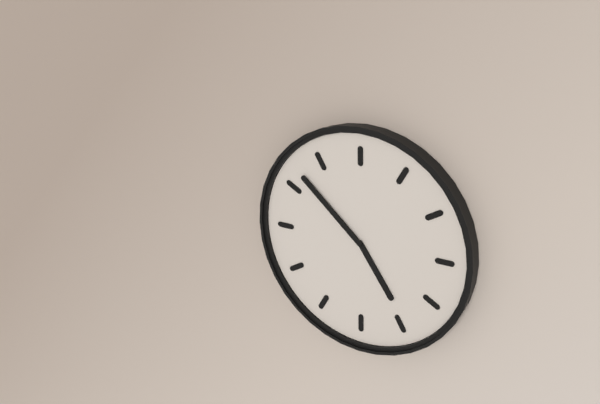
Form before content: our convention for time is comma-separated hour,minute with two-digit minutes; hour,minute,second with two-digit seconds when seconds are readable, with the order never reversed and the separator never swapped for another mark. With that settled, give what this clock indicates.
4,52
